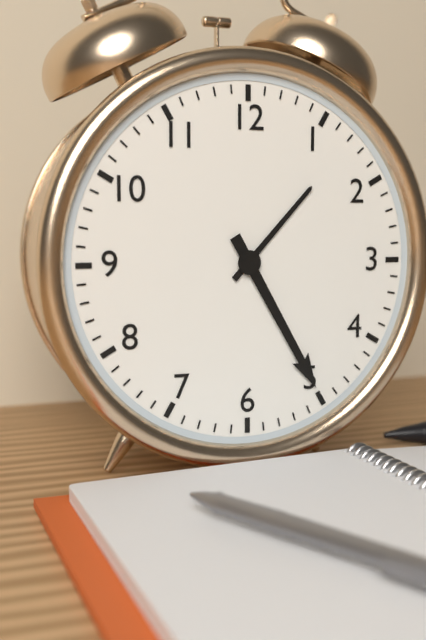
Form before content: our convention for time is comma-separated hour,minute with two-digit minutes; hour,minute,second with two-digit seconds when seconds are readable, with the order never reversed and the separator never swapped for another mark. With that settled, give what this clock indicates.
1,25
